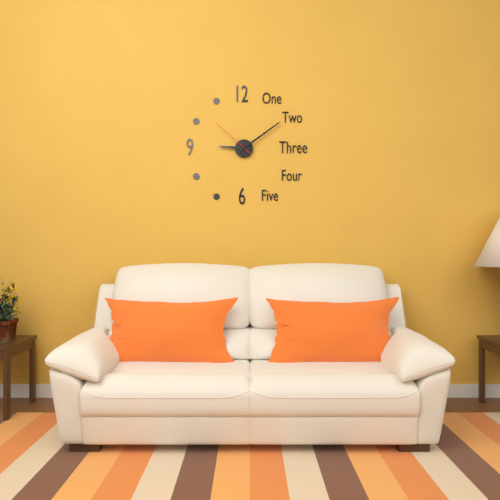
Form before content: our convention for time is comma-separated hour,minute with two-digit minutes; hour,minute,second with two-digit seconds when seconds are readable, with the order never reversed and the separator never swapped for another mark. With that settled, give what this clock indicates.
9,09
